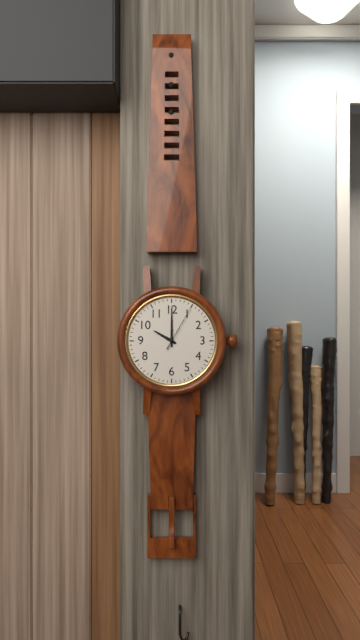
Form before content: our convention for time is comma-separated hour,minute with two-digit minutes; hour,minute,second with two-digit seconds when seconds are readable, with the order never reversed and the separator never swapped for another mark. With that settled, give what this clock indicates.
10,00
